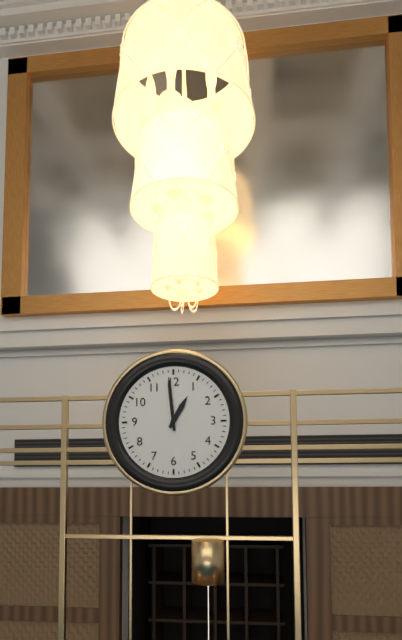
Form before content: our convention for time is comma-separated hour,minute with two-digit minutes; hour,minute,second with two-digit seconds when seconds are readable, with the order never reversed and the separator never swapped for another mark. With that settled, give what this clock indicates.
12,59
